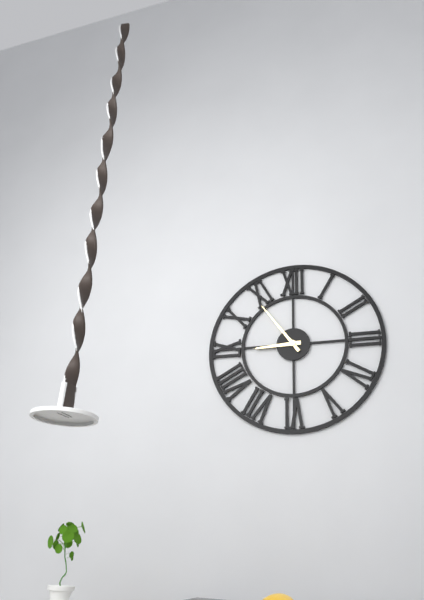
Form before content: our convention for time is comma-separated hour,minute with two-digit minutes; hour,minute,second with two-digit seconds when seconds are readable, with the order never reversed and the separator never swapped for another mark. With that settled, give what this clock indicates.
8,54
